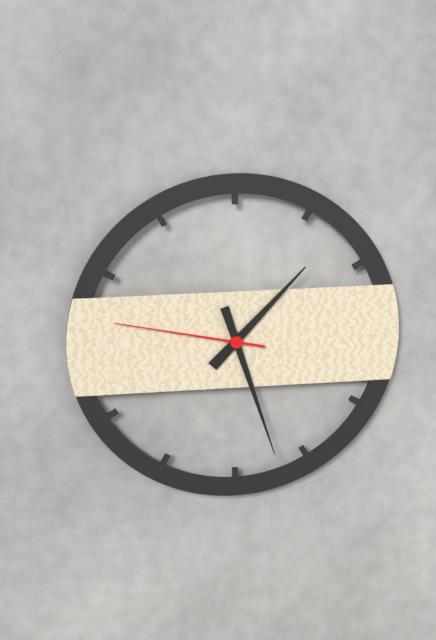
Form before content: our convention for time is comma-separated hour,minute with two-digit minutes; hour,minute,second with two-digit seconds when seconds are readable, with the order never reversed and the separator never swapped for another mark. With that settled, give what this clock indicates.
1,27,47
